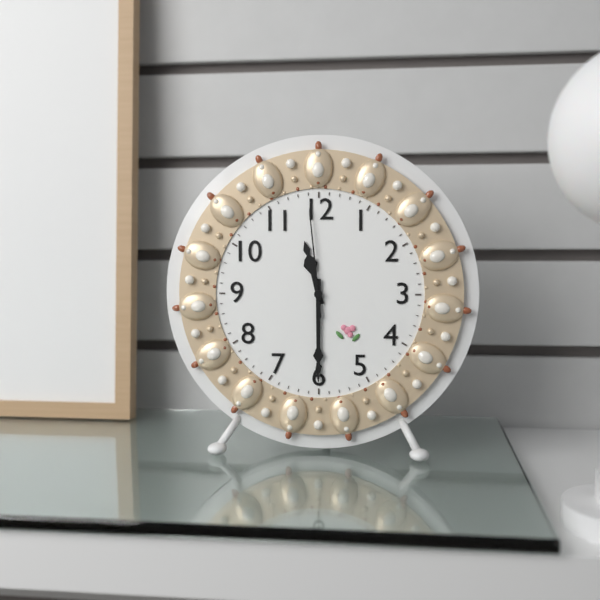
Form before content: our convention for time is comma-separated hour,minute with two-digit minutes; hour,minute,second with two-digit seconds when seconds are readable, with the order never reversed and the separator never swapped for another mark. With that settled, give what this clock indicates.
11,30,59
